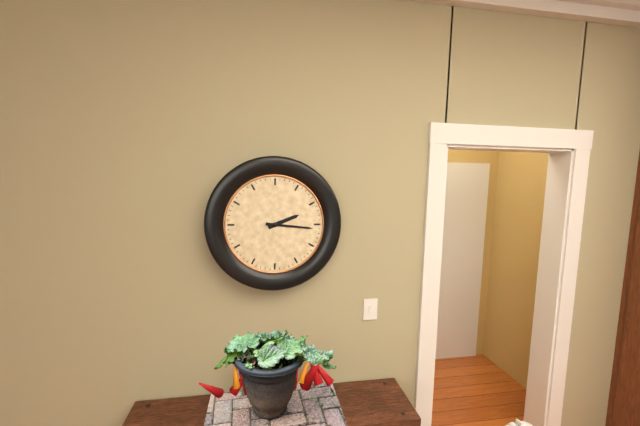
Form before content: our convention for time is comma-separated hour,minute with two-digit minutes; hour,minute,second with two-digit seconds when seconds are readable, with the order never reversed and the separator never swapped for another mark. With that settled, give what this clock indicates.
2,16
